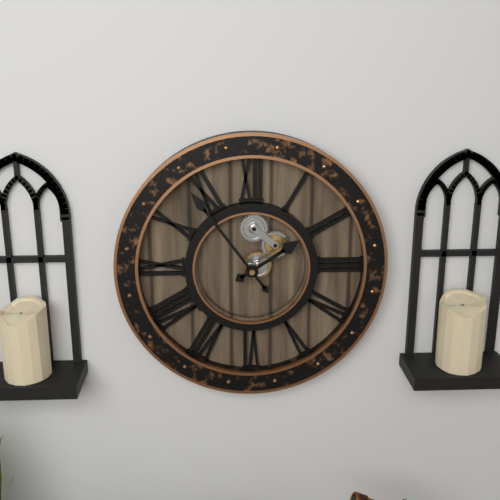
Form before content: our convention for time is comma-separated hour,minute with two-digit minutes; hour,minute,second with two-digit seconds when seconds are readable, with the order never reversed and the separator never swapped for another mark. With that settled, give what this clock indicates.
1,54
